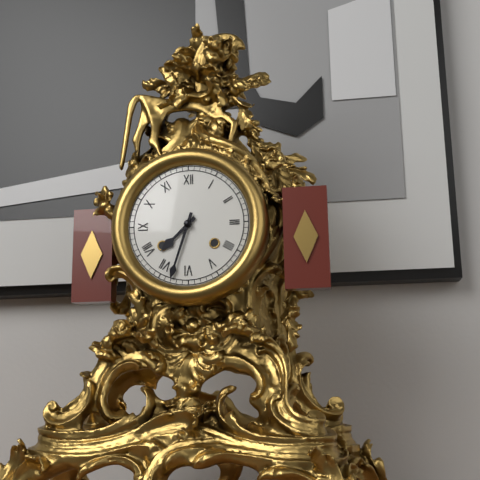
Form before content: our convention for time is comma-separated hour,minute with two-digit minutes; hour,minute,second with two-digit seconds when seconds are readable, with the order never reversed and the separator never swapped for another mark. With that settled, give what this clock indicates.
7,33
